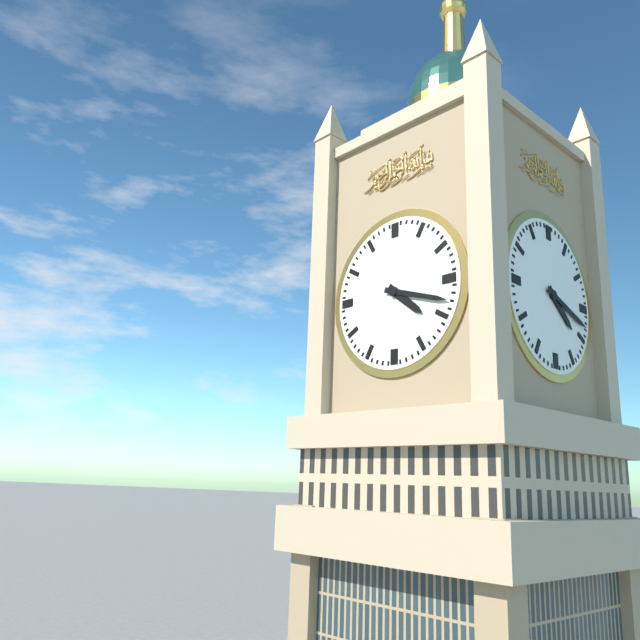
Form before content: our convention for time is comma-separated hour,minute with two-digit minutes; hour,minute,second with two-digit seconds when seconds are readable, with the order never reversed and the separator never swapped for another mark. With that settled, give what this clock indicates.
4,18
